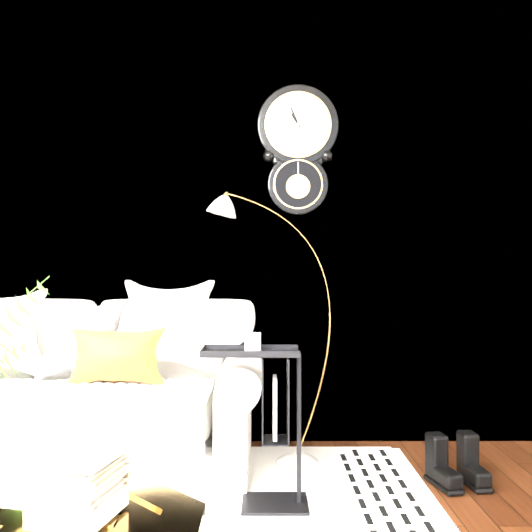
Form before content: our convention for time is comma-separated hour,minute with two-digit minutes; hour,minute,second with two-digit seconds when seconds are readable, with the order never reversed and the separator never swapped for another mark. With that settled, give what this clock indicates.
10,56
